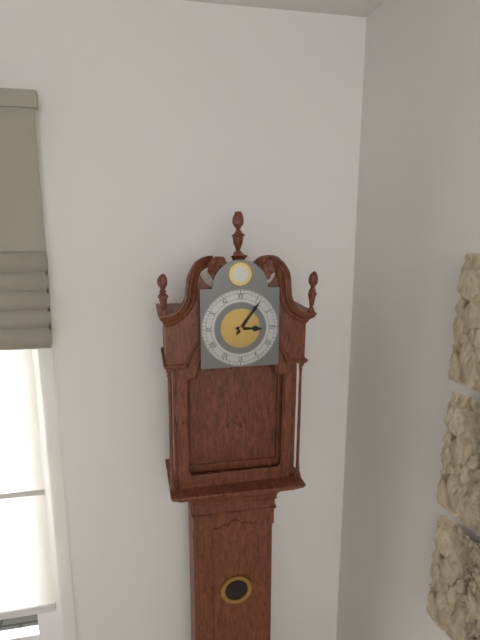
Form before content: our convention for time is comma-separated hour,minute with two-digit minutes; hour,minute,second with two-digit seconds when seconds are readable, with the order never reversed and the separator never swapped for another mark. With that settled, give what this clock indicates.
3,06
